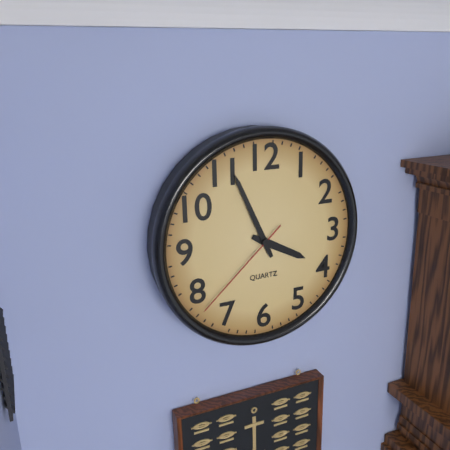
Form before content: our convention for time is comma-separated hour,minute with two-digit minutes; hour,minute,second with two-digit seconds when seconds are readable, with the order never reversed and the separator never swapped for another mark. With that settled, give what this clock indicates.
3,56,38
